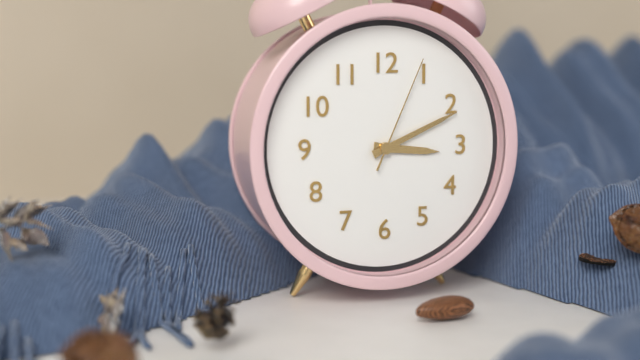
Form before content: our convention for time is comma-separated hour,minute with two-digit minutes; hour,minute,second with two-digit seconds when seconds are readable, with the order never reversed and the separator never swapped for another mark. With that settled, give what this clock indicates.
3,11,04
